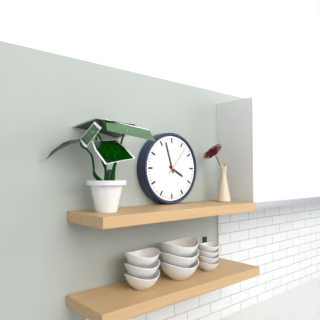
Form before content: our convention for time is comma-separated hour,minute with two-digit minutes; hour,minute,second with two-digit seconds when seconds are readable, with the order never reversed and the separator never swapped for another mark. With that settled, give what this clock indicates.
3,57
